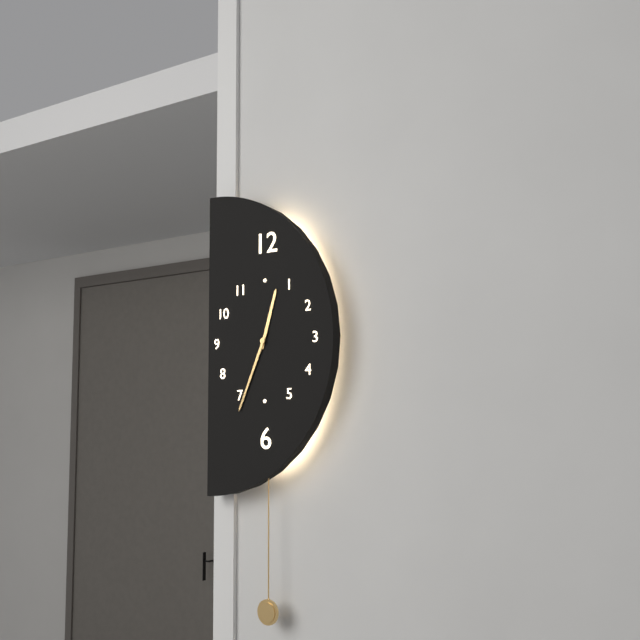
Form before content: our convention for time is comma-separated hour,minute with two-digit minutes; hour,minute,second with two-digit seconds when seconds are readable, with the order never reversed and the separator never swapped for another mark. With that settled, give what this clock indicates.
12,34
